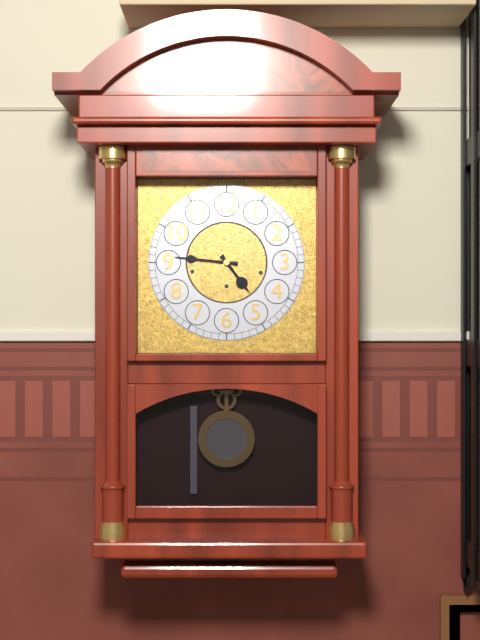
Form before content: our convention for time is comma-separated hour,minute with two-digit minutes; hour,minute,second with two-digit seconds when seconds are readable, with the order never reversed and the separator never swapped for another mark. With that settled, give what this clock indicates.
4,46
